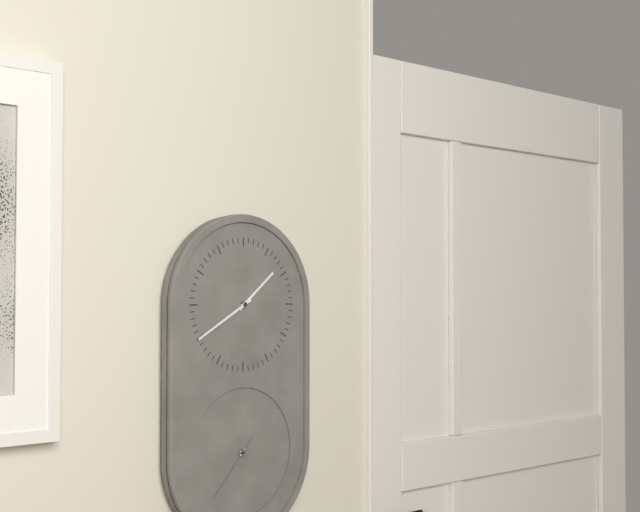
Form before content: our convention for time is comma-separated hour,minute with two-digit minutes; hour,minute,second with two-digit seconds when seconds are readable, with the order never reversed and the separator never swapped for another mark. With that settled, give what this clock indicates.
1,40,37
